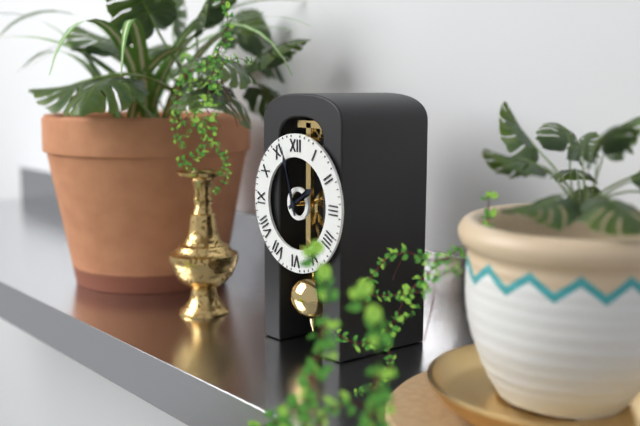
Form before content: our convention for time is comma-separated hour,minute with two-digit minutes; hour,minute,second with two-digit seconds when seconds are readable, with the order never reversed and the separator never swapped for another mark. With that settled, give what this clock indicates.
1,57
